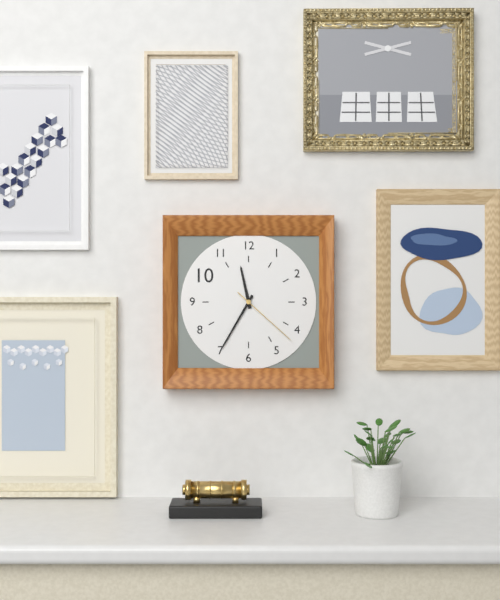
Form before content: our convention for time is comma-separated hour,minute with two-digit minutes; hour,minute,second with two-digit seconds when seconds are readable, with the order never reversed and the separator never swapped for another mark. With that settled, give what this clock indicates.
11,35,22
